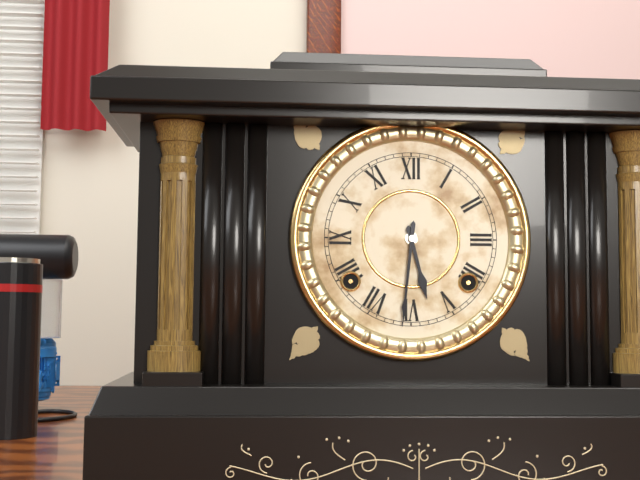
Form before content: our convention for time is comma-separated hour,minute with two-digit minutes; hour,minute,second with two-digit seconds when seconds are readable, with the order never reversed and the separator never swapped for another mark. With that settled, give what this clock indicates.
5,31
